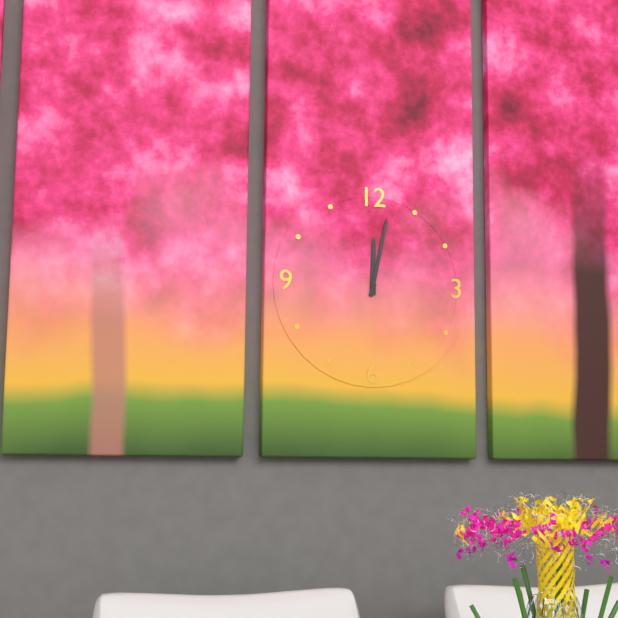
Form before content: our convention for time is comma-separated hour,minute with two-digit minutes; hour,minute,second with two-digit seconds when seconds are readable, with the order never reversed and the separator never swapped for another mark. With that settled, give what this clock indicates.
12,02
